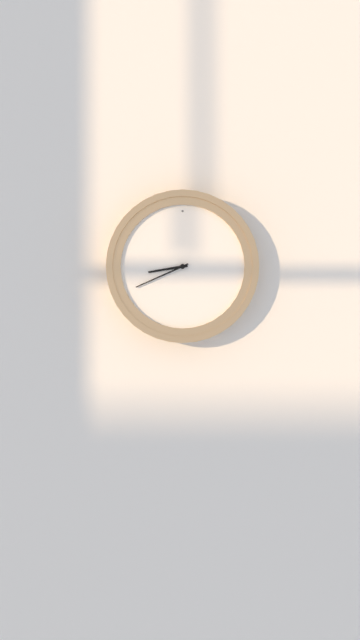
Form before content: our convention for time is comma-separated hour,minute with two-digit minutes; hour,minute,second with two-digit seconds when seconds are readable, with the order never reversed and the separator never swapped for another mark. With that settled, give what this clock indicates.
8,41
